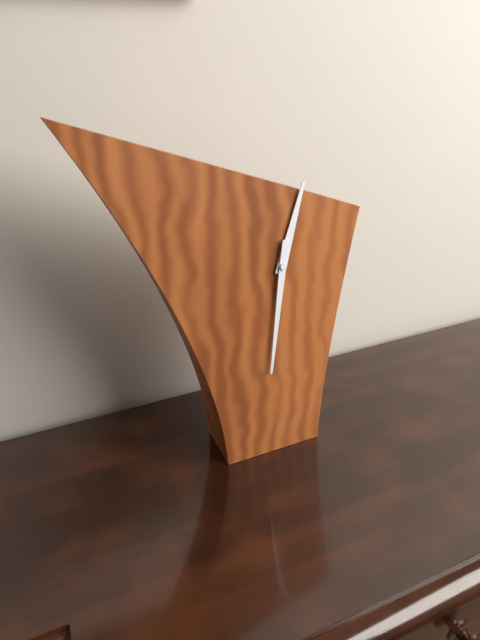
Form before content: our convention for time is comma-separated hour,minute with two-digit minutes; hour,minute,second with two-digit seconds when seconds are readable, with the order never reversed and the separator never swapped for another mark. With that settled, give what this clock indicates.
12,31
